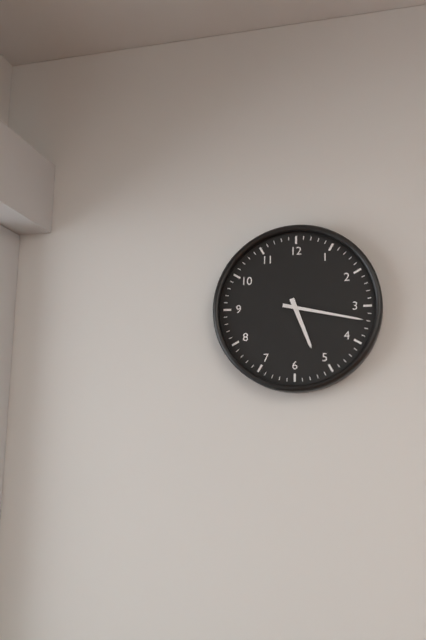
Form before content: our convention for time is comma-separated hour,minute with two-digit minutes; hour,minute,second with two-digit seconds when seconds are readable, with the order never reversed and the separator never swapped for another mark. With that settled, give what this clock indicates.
5,17
